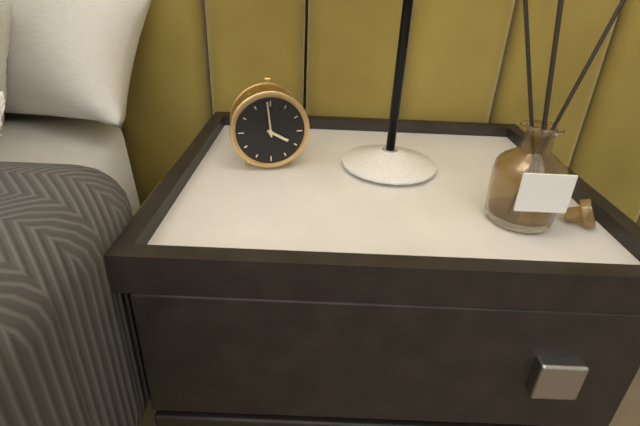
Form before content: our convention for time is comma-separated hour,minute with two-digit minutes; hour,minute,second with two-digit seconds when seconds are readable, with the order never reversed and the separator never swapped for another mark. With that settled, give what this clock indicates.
3,59
